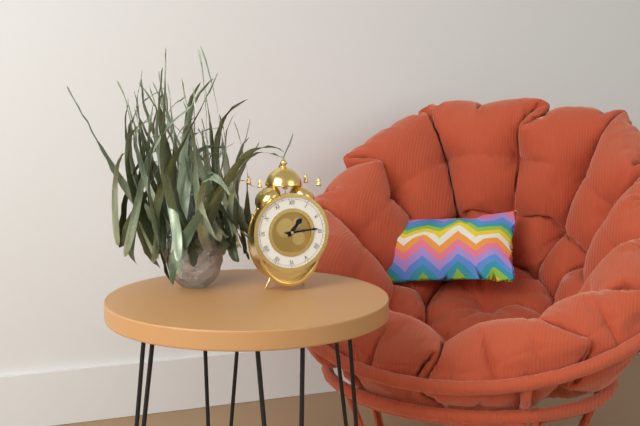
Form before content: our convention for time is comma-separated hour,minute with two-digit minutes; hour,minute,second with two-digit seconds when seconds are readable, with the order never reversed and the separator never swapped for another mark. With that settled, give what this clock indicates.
1,14
